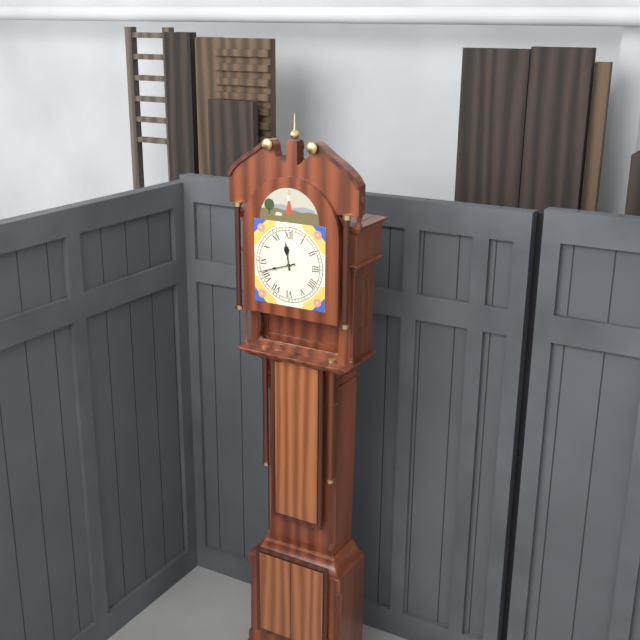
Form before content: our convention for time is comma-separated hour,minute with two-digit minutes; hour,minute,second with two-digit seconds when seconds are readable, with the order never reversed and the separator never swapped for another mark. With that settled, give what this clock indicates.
11,42
